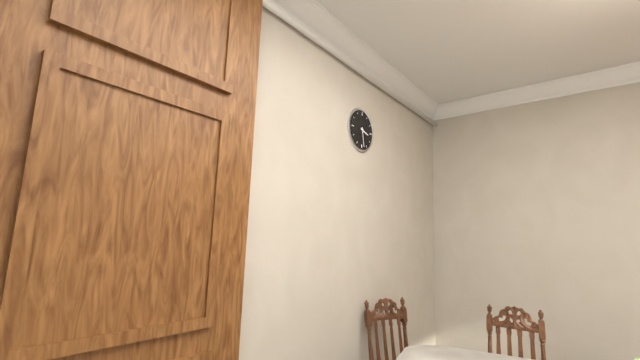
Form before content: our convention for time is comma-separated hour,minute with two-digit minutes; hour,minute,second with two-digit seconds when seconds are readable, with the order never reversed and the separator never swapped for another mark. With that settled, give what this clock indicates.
3,28
